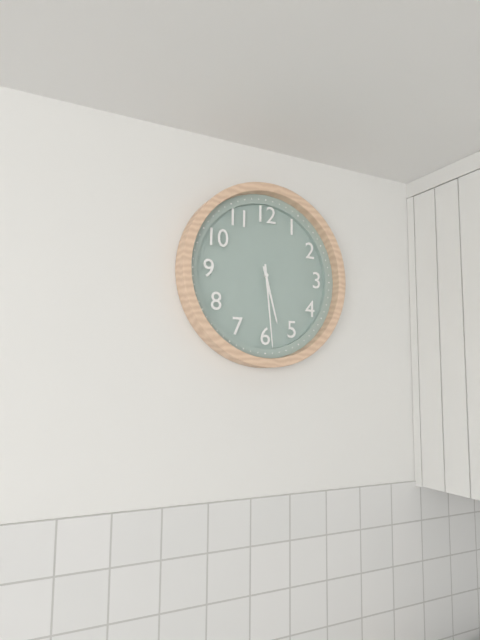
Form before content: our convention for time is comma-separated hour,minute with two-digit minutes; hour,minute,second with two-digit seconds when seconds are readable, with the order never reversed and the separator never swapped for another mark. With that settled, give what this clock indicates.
5,29
